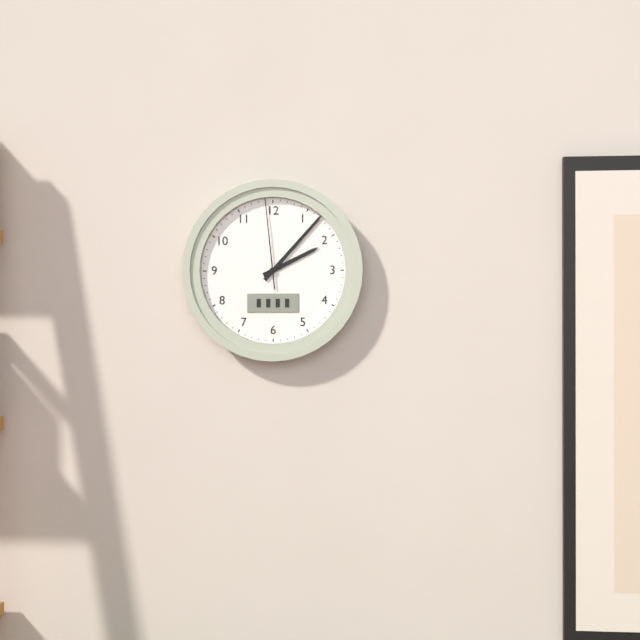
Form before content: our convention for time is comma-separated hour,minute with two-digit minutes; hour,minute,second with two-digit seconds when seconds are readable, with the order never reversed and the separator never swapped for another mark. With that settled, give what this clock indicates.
2,07,59
